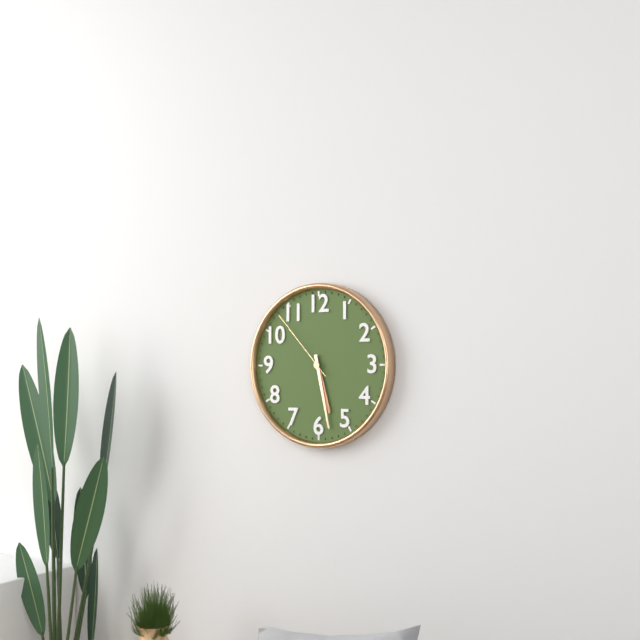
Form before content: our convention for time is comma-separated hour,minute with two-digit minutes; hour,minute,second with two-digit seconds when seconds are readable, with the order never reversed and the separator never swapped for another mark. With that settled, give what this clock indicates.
5,28,53
